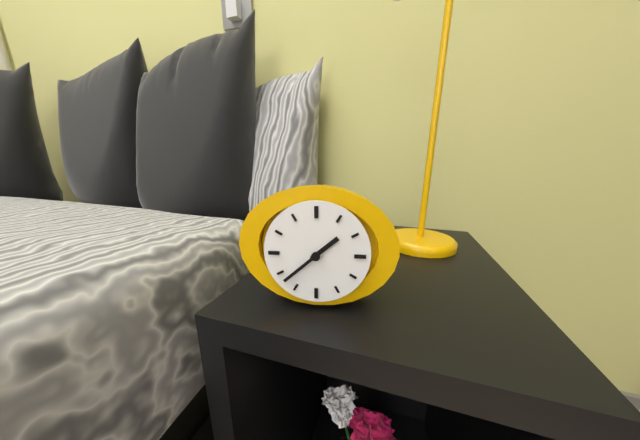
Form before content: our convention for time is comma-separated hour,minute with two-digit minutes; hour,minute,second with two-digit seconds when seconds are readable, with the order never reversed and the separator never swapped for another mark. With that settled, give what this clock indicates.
1,38
